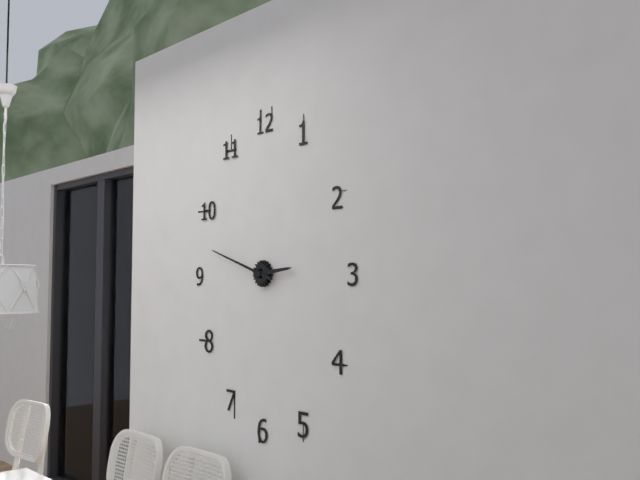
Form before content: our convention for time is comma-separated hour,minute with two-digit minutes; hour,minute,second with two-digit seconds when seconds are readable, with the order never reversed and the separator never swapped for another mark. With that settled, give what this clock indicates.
2,48
